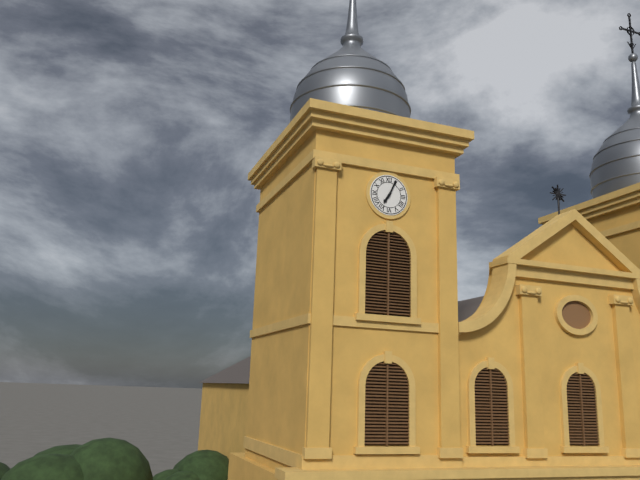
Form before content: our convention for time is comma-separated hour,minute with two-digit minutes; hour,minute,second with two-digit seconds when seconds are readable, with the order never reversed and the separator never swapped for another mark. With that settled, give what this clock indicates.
7,04
